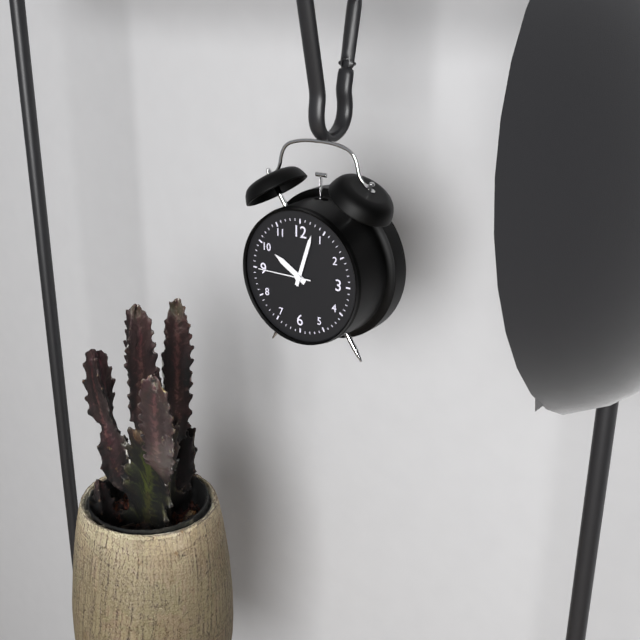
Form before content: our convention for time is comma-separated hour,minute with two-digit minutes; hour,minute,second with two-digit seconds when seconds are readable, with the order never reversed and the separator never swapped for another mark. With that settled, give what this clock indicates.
10,03,45
